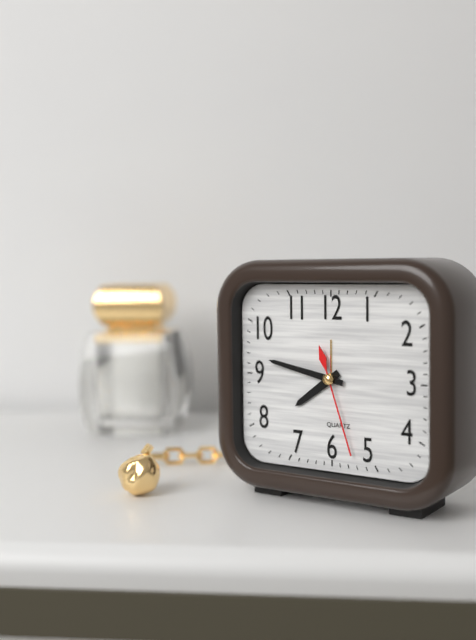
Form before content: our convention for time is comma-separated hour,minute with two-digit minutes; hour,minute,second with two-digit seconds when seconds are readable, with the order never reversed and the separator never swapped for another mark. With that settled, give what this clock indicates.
7,47,27
